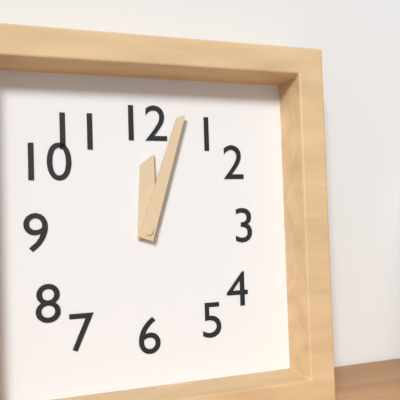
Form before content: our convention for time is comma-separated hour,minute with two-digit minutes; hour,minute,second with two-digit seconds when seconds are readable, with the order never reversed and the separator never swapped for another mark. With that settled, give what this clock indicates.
12,03
